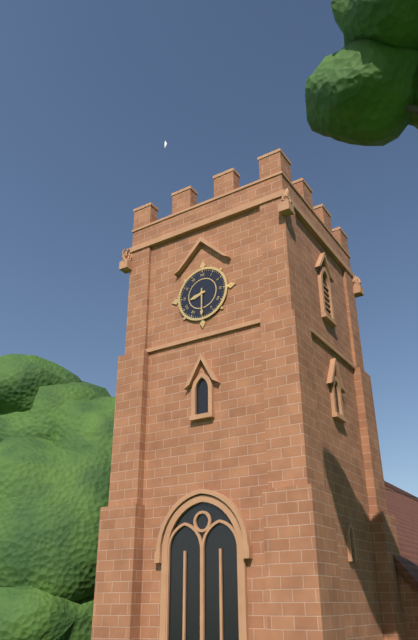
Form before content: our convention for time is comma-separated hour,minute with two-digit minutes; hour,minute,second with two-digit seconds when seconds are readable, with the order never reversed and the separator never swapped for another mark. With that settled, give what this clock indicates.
8,30
